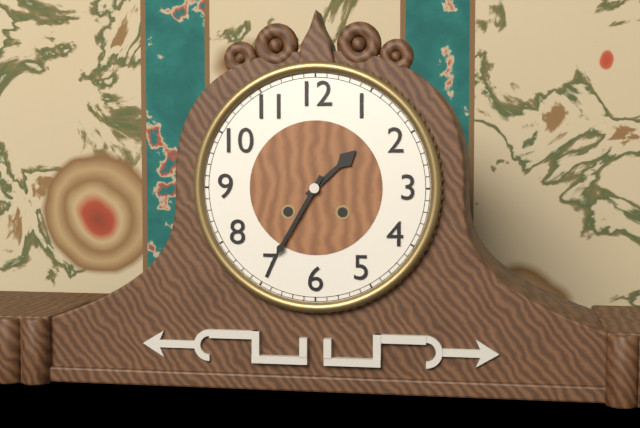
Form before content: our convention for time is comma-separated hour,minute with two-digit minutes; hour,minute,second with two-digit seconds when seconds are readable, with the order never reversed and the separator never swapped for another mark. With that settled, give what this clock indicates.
1,35
